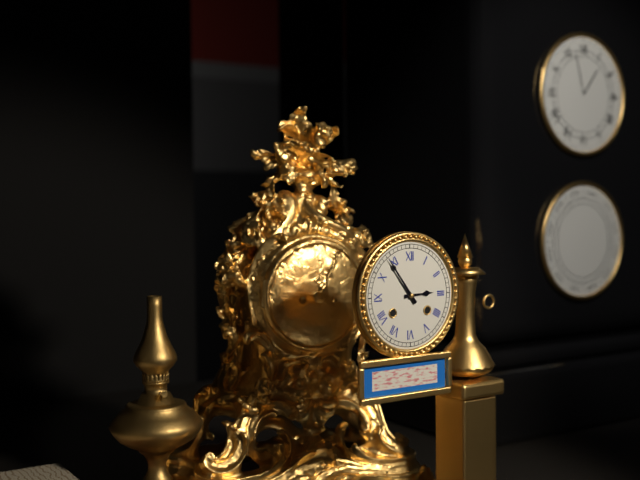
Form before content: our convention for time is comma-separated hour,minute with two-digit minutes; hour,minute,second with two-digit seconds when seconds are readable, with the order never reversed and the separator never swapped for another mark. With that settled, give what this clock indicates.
2,54
